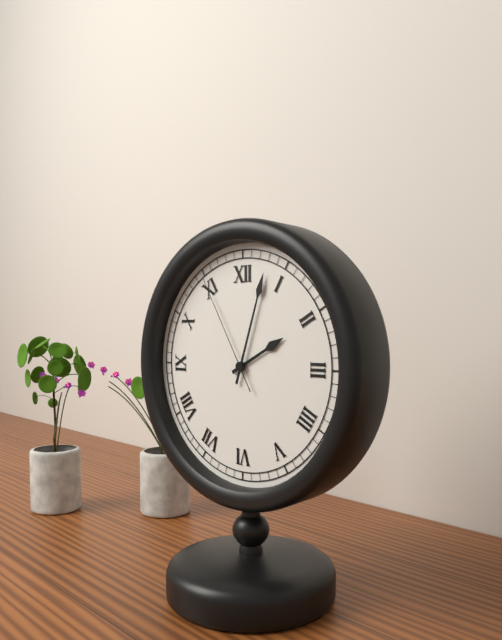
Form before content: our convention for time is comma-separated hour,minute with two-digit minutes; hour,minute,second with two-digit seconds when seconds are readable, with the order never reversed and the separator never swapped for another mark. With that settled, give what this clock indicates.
2,03,55
